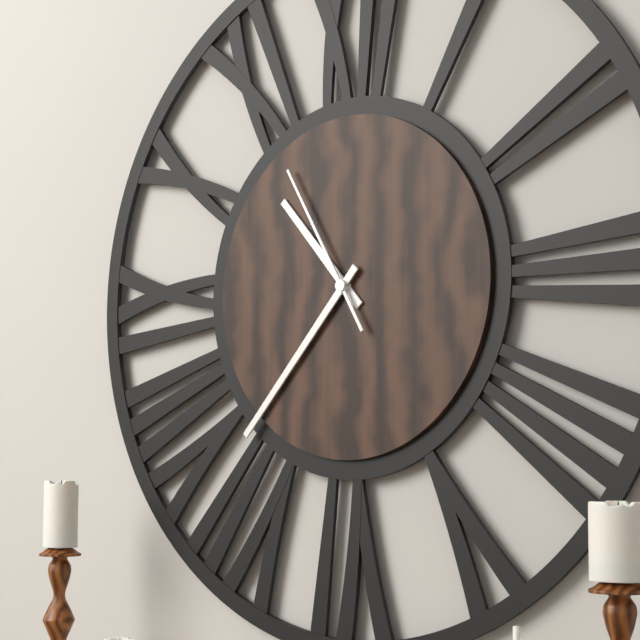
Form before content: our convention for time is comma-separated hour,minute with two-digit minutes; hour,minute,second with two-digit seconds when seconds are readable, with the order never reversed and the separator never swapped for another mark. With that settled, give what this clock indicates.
10,37,55
